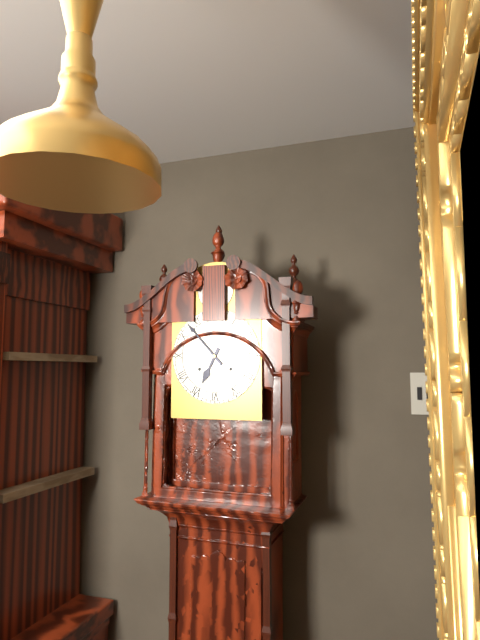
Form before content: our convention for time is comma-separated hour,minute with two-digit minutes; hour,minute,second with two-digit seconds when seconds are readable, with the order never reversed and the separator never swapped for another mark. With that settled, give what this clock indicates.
6,53
